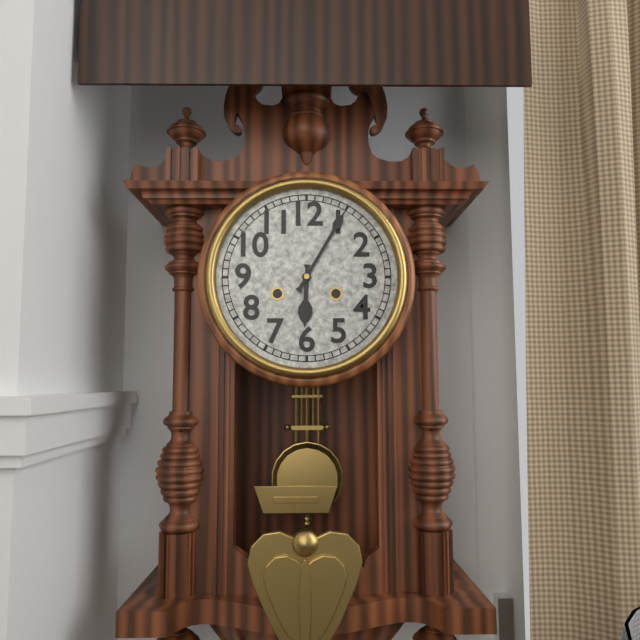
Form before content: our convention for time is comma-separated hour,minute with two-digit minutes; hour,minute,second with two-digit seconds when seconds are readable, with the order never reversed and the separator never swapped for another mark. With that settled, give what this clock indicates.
6,05
